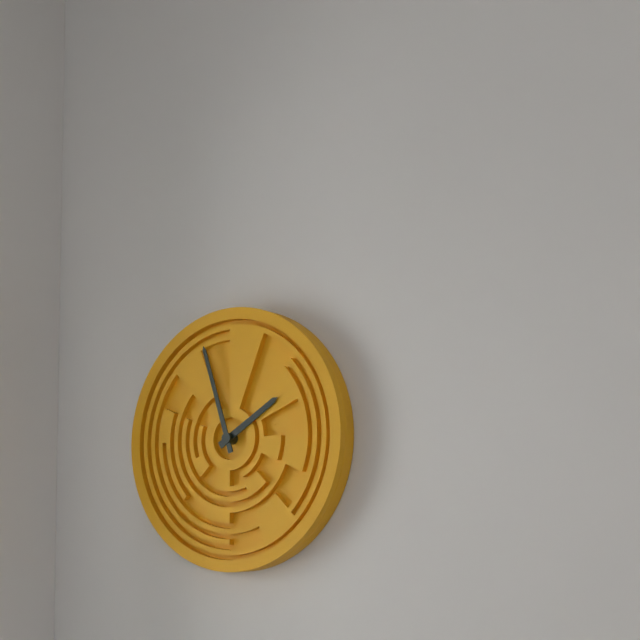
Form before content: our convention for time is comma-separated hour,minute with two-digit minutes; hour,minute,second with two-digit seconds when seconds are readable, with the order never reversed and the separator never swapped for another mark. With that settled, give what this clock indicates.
1,57
